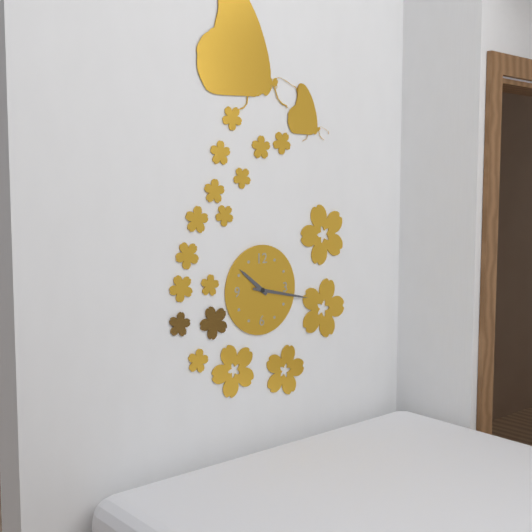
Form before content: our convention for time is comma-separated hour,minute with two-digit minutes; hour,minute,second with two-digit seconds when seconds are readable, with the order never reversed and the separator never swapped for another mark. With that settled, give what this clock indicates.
10,17
